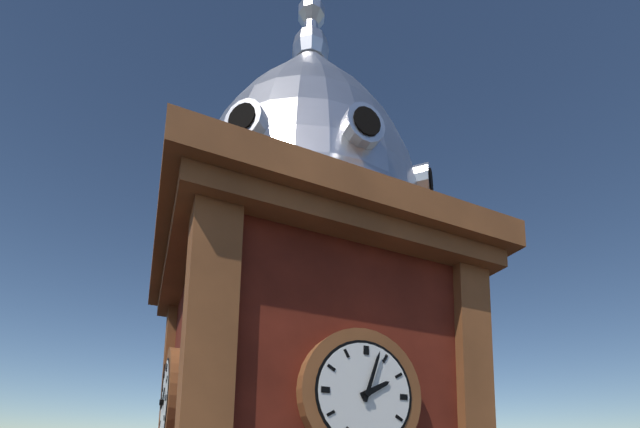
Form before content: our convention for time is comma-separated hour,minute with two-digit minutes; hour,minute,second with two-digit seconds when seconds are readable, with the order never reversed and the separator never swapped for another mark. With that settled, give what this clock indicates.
2,03
